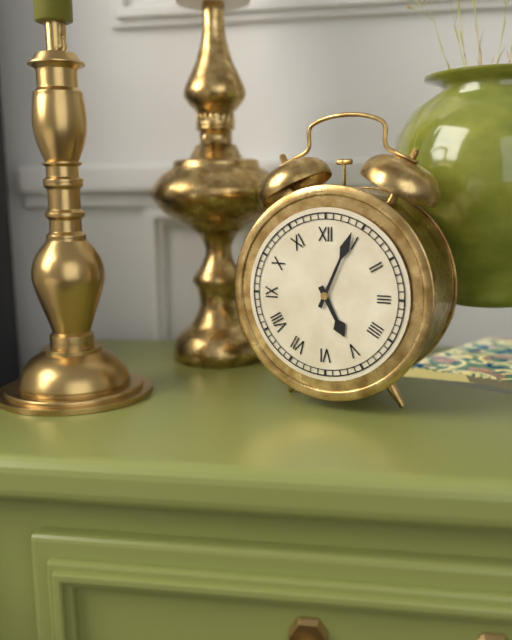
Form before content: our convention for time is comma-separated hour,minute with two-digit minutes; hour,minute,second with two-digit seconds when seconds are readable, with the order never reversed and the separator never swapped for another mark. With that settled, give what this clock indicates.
5,04
